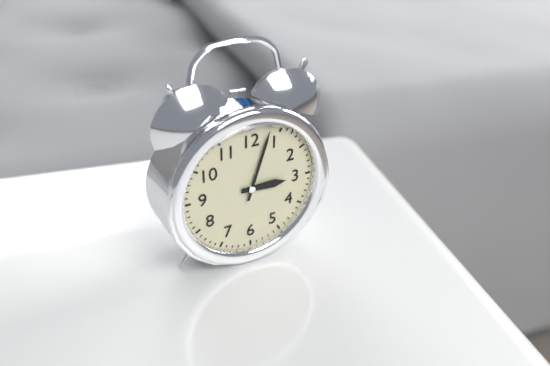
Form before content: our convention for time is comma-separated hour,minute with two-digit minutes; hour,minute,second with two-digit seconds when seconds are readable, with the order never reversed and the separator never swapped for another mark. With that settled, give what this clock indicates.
3,03
